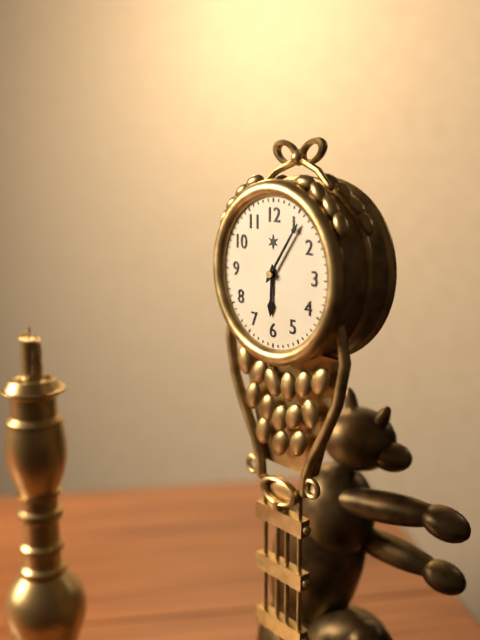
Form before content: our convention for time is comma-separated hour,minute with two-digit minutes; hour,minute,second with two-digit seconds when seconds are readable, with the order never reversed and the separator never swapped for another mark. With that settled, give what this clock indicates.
6,06
